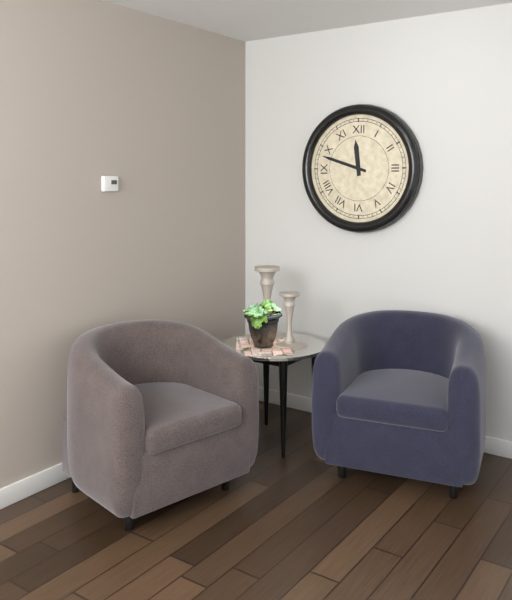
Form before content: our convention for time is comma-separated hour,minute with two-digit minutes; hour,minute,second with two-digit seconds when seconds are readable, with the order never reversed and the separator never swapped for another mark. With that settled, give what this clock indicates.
11,48
